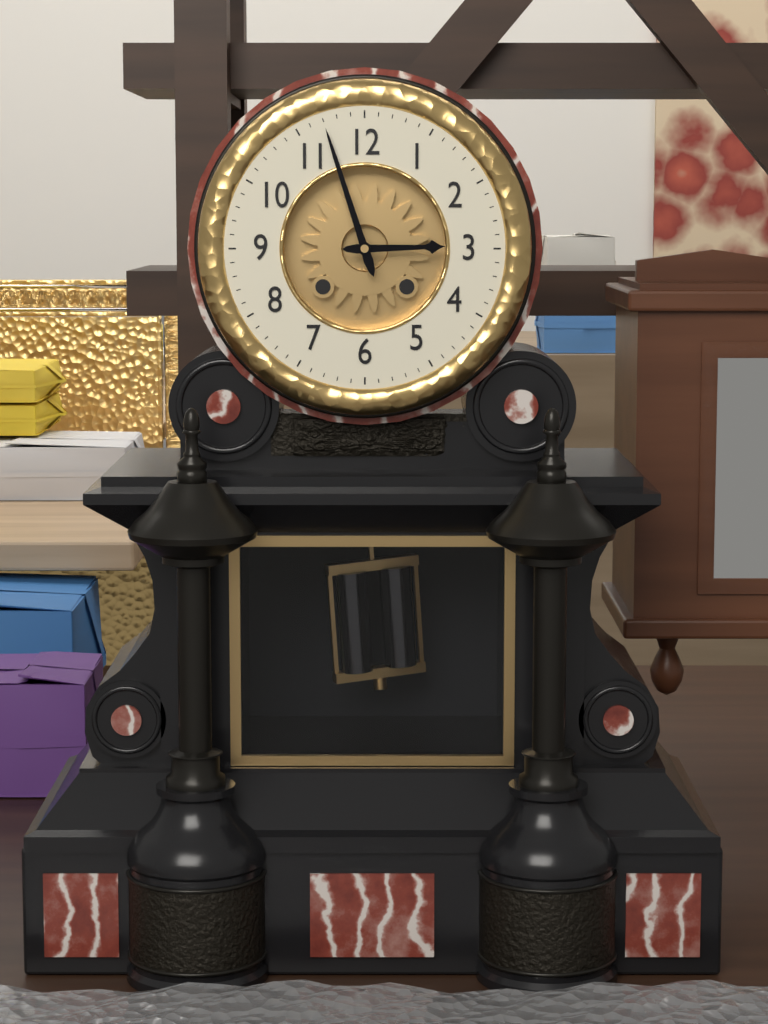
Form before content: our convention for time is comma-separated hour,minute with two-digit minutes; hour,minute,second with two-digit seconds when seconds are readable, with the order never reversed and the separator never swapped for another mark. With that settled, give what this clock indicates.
2,57
